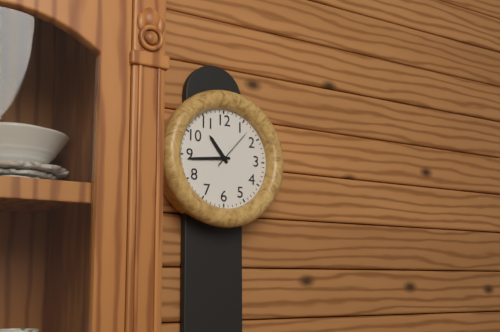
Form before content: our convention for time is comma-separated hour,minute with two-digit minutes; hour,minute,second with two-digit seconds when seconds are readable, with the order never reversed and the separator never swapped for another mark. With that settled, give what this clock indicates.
10,44
